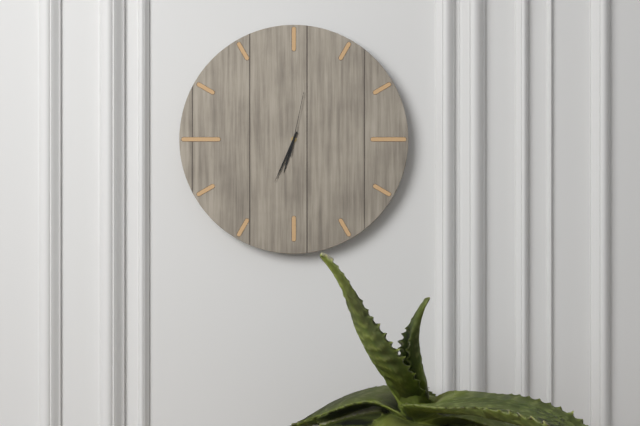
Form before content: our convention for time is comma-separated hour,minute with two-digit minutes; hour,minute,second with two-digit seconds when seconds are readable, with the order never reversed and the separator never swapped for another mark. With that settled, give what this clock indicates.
6,34,02
